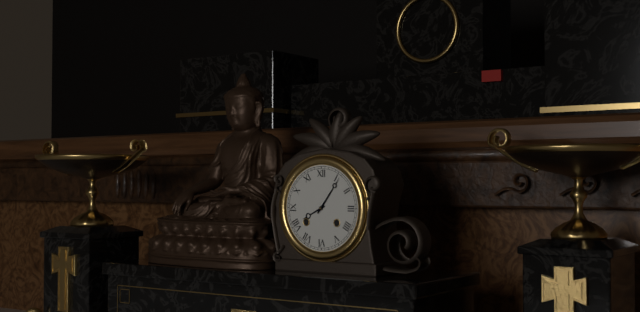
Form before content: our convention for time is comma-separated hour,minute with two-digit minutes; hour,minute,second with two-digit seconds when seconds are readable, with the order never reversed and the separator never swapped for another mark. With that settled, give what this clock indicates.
8,06
